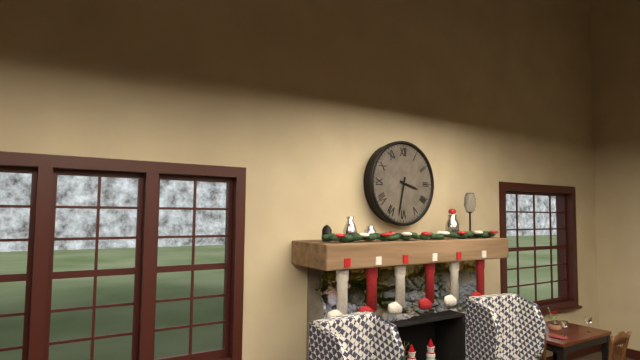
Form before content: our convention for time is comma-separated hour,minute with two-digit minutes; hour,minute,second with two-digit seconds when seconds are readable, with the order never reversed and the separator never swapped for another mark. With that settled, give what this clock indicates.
3,32
